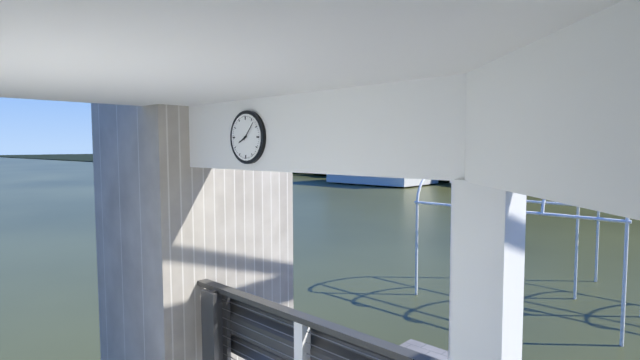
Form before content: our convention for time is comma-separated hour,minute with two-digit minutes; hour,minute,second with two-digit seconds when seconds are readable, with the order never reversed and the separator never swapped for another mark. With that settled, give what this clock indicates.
8,07
